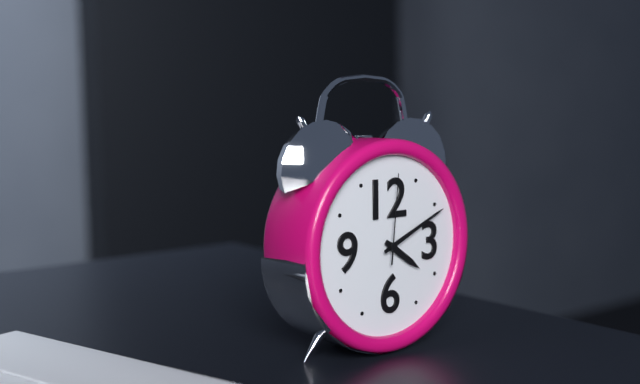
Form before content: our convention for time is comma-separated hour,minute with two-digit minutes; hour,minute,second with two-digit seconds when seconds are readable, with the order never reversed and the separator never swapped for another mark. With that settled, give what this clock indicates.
4,11,01
